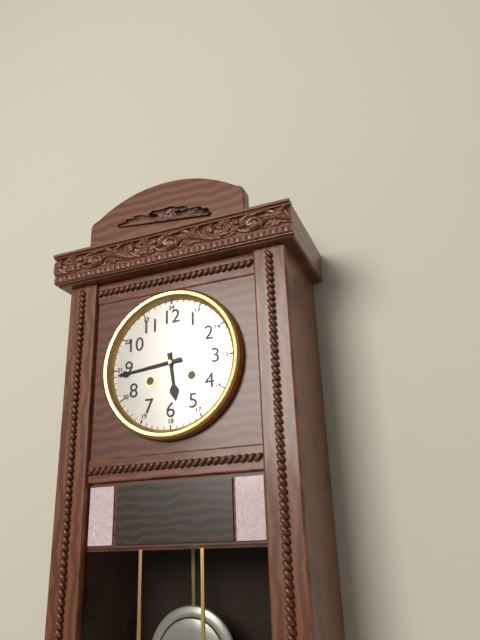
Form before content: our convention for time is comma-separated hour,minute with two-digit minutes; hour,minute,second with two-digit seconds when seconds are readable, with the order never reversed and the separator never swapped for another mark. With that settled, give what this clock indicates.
5,44
